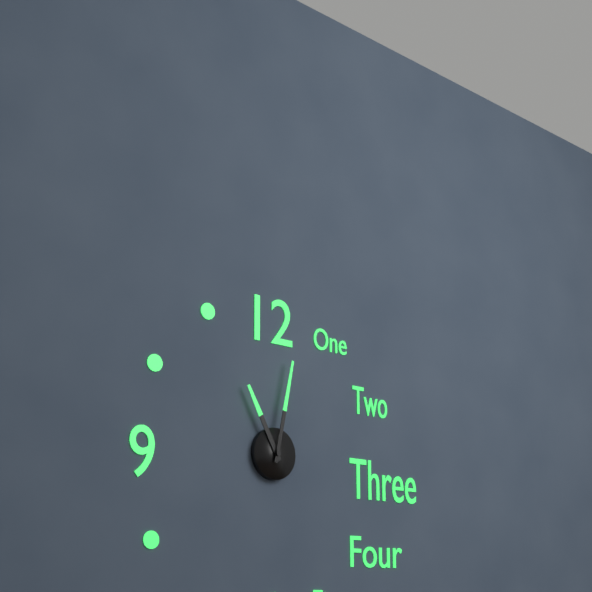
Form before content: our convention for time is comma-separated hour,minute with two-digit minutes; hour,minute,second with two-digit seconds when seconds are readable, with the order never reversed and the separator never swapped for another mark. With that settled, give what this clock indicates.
11,02
